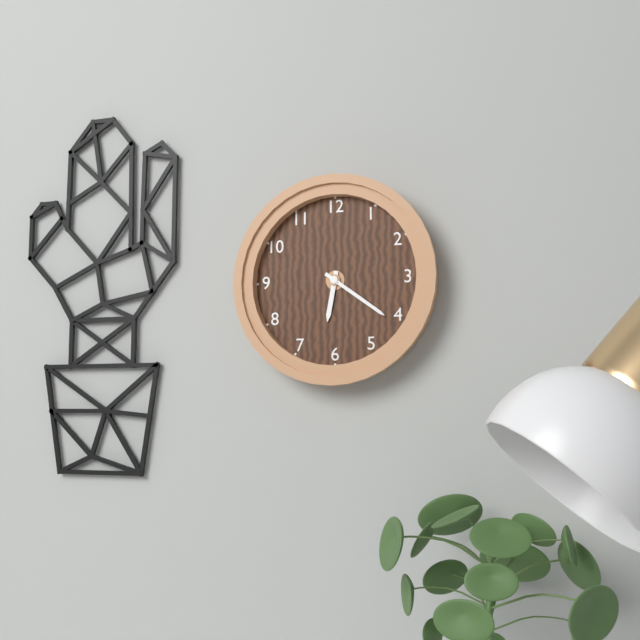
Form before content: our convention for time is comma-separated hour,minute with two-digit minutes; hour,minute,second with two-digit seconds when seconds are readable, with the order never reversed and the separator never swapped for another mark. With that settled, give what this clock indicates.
6,21
